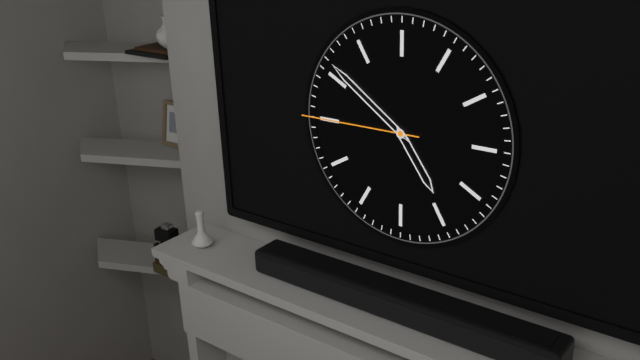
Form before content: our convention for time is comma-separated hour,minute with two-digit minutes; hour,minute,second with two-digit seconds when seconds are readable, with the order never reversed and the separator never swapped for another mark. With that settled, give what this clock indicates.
4,51,45
